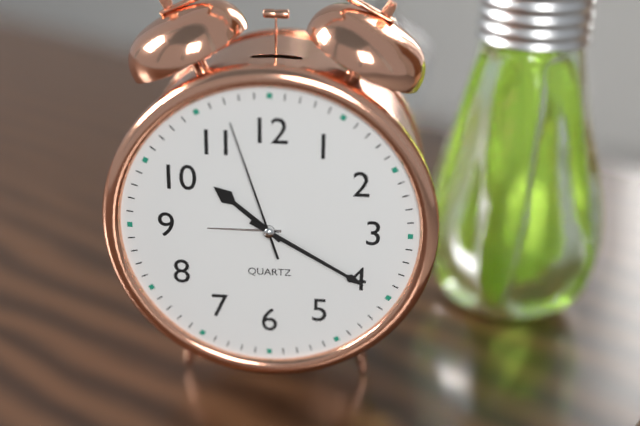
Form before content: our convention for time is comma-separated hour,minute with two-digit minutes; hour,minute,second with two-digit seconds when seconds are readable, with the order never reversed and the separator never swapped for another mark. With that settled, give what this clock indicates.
10,20,57
